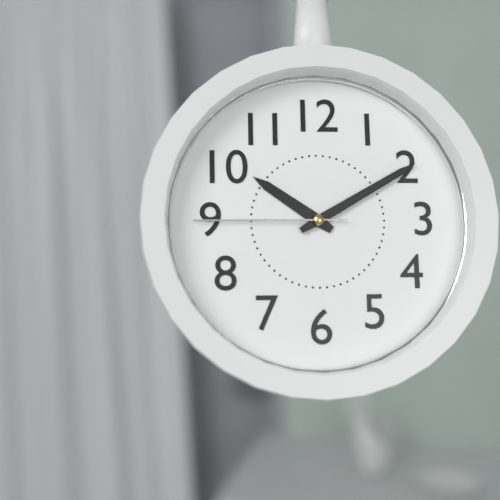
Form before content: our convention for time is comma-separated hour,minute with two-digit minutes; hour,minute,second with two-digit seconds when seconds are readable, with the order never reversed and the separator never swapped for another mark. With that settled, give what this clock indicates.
10,10,45
